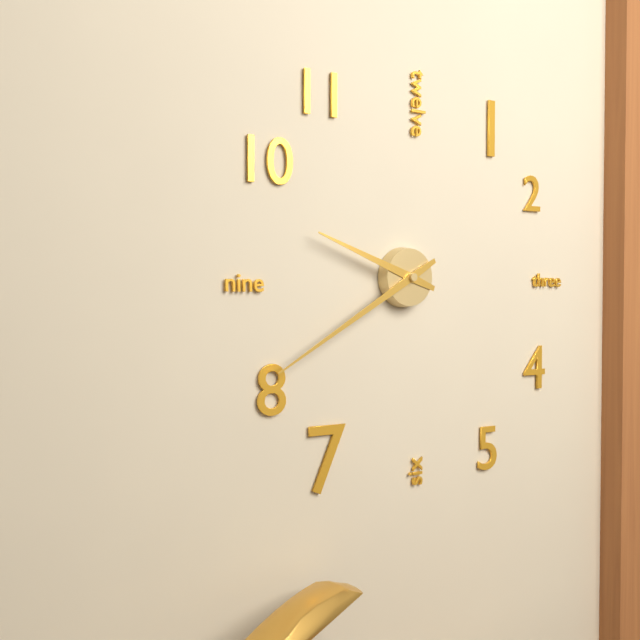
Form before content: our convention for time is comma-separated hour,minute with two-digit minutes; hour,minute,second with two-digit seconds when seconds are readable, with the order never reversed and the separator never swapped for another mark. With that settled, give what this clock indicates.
9,40
